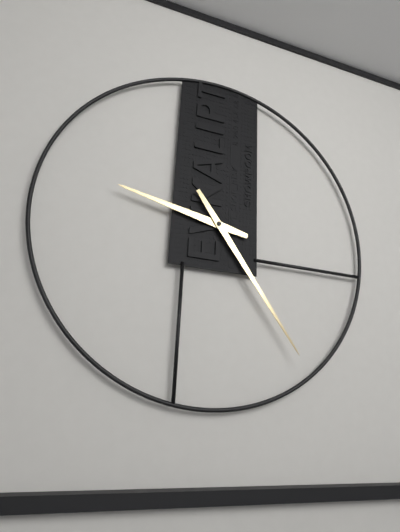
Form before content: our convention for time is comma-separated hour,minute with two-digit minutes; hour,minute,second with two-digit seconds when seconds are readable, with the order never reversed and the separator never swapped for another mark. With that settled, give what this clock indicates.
9,24
